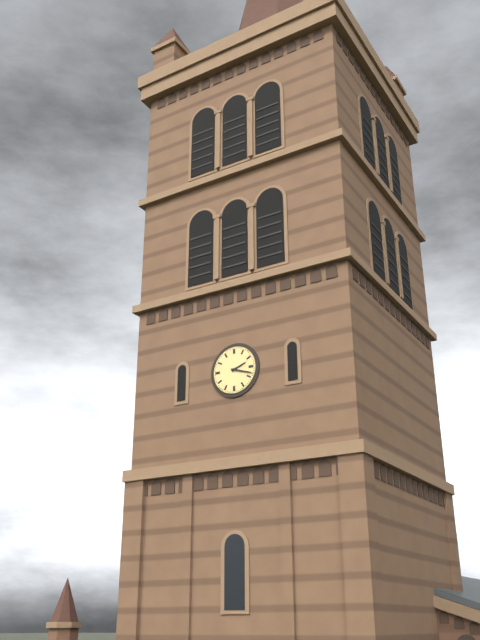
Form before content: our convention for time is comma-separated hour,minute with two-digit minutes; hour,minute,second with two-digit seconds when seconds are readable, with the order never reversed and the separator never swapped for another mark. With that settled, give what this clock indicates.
2,18
